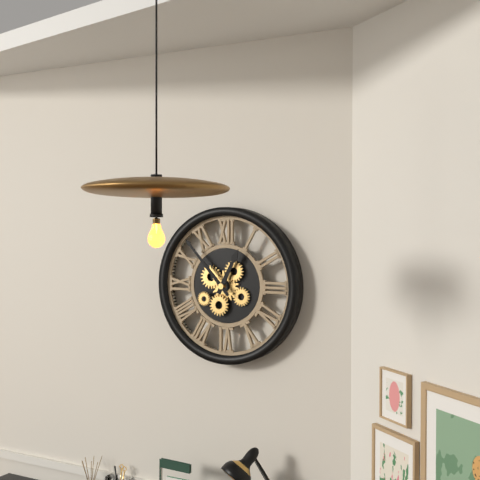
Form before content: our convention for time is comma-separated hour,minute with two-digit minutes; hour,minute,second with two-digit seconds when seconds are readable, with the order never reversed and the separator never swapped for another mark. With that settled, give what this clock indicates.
12,53
